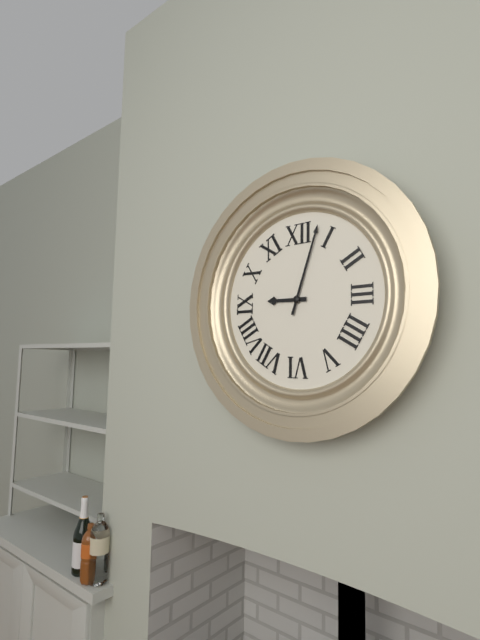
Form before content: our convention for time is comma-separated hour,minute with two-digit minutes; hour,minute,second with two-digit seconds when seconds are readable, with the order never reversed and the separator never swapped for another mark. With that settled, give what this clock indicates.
9,03
